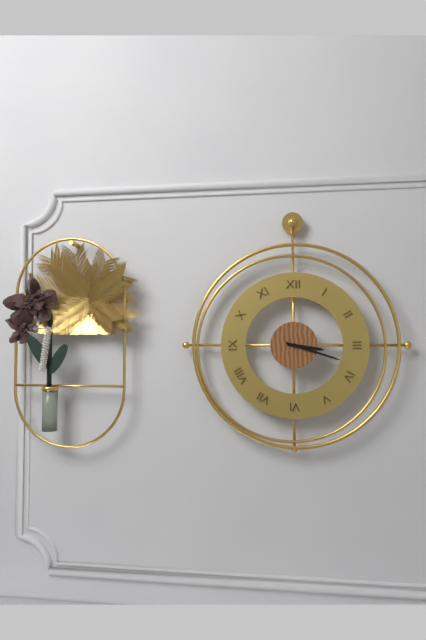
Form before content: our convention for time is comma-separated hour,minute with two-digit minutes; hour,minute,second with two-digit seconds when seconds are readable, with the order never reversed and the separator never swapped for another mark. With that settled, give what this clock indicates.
3,18
